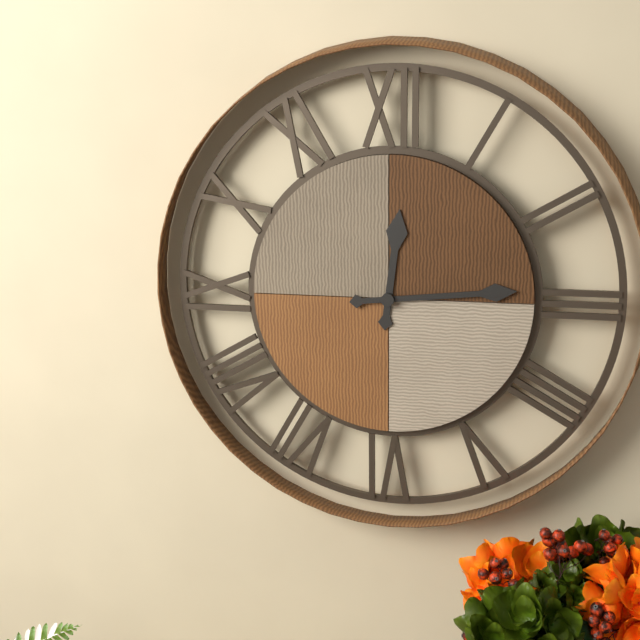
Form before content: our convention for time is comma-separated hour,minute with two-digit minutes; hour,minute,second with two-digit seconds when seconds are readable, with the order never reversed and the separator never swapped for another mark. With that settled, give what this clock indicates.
12,14
